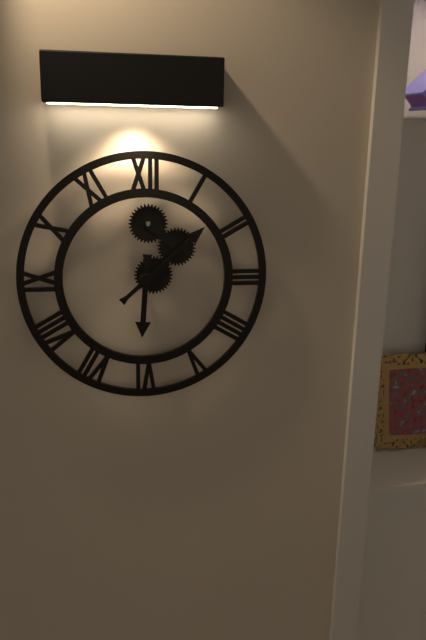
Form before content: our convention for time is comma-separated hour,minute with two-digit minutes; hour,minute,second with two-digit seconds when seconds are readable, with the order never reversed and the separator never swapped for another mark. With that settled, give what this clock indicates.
6,08
